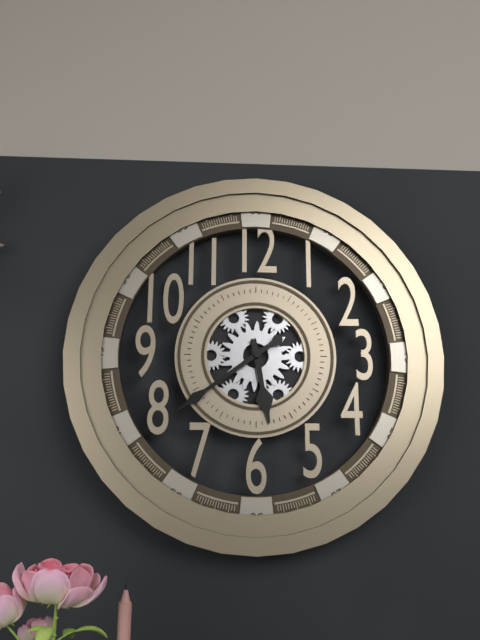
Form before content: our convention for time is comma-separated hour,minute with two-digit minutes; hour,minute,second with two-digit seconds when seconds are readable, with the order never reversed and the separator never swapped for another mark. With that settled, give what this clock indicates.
5,39
